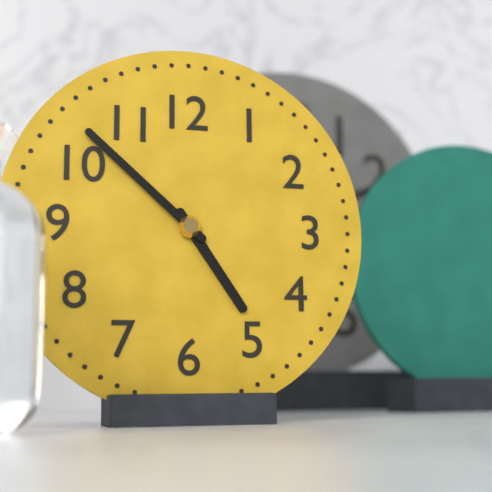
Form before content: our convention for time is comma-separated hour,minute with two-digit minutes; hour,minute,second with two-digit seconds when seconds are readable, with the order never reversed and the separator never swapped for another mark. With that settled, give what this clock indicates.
4,52
